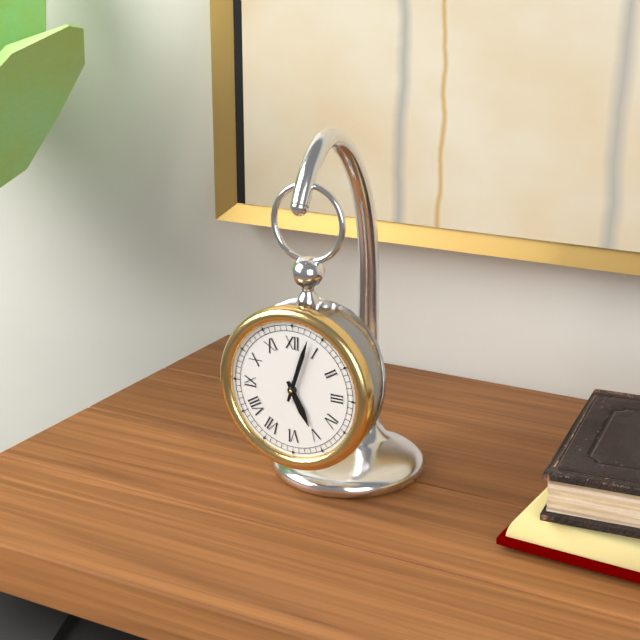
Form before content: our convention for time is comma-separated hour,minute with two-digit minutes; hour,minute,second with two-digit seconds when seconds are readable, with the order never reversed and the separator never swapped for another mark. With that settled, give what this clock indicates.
5,03
